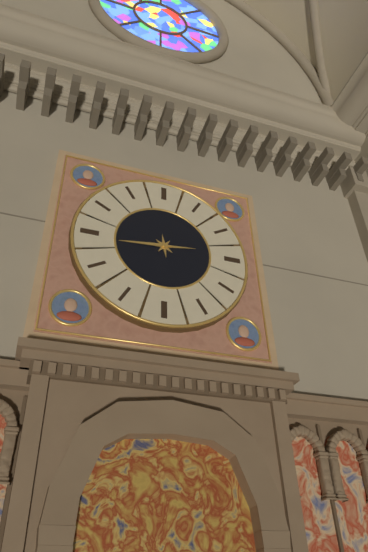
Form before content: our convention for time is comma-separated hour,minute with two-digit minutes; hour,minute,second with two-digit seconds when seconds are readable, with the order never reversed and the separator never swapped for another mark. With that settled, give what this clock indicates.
2,44
